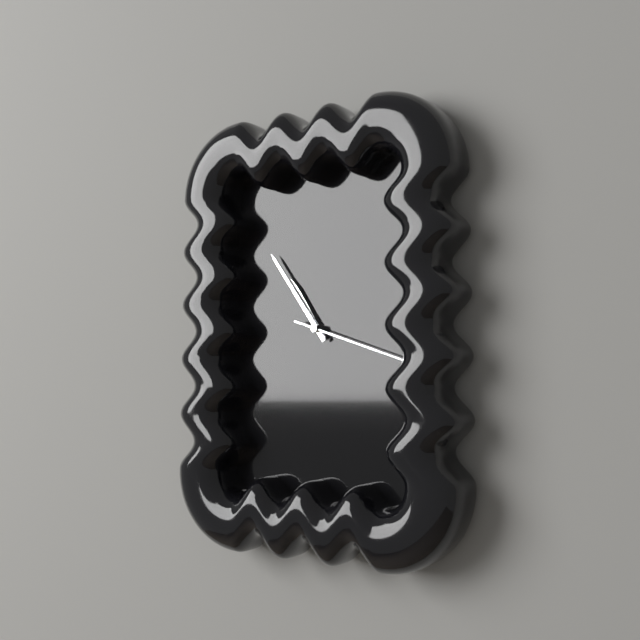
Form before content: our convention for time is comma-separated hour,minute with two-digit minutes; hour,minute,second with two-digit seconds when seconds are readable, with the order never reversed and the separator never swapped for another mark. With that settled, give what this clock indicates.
10,54,18
